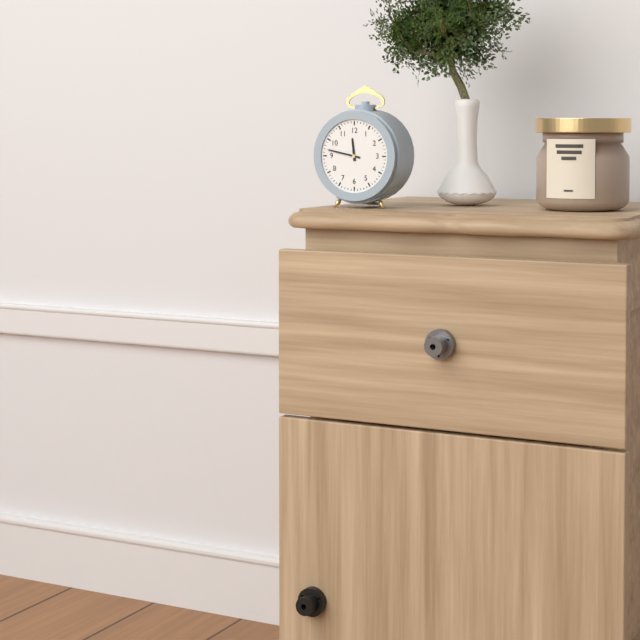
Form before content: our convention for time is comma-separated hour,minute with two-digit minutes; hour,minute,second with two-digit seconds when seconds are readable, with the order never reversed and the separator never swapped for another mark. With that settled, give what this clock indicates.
11,47
